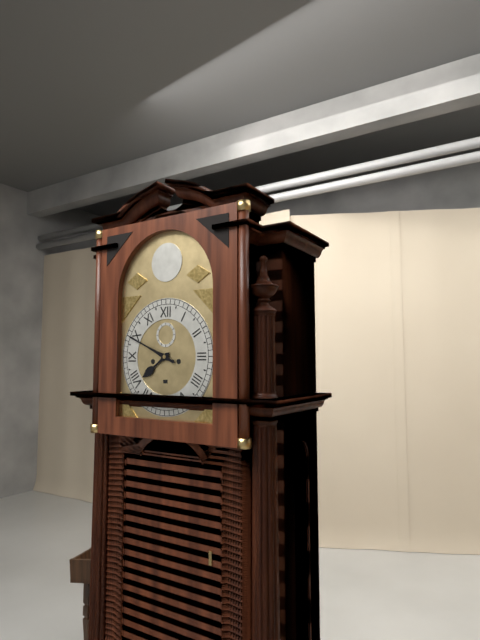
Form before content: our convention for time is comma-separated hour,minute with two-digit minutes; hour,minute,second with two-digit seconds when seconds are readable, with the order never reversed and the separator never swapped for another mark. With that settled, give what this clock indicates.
7,49
